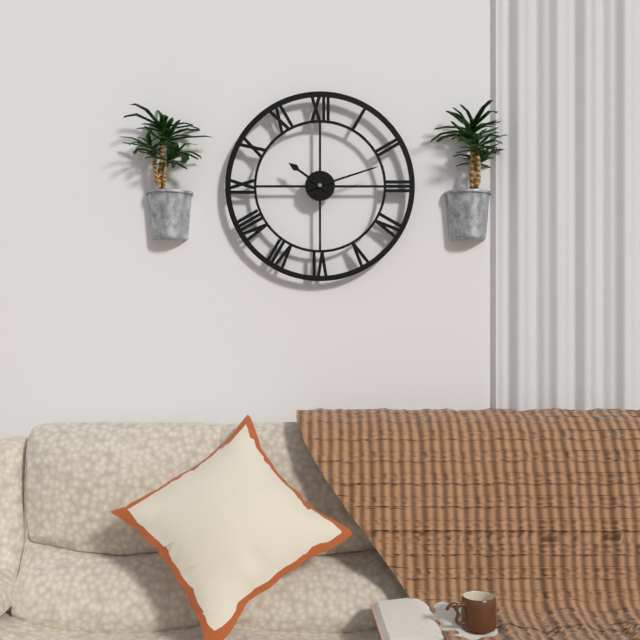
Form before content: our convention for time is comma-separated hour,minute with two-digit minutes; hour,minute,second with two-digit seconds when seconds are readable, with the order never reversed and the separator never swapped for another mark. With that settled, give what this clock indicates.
10,12
